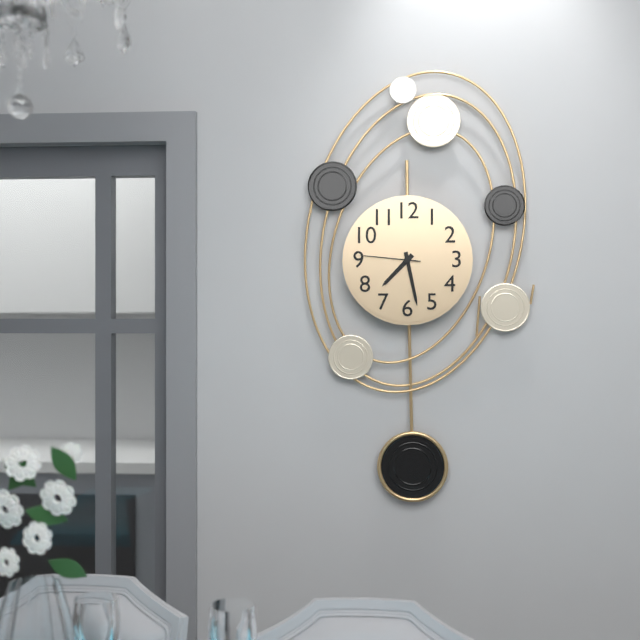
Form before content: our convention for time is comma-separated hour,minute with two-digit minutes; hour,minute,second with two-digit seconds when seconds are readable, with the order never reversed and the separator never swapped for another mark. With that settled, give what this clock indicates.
7,28,46
